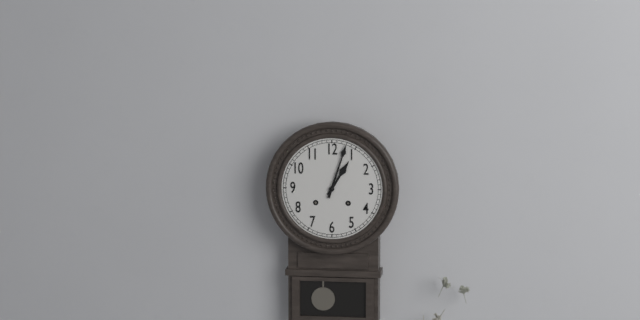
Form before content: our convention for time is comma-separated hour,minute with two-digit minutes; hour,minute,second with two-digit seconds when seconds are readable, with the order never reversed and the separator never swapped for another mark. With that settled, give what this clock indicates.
1,03
